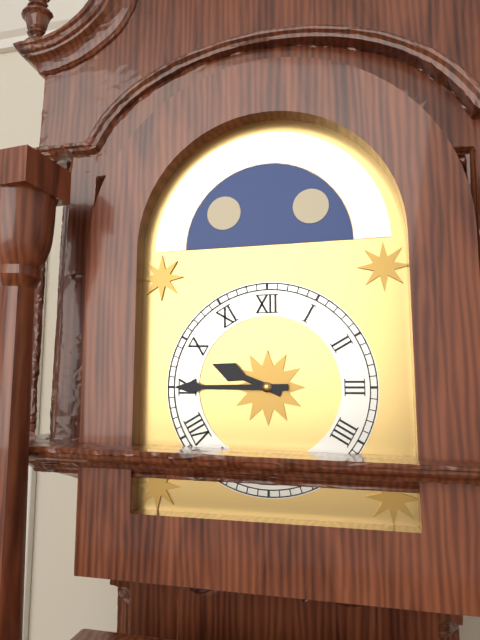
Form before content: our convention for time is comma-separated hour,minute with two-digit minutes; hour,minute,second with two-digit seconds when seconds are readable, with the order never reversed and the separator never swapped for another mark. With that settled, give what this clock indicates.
9,45
